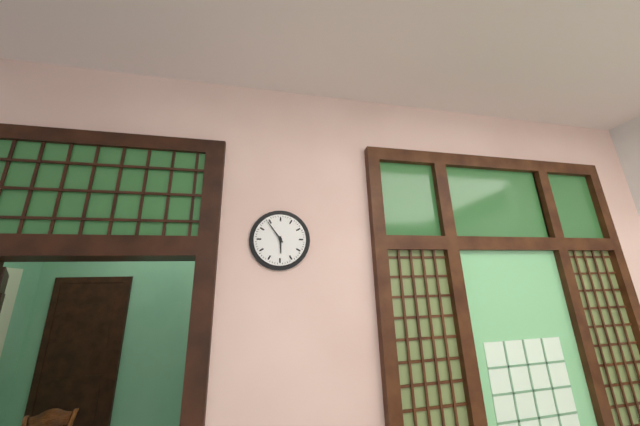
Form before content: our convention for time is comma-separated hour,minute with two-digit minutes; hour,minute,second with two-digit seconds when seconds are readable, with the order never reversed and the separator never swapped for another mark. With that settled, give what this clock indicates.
5,54
